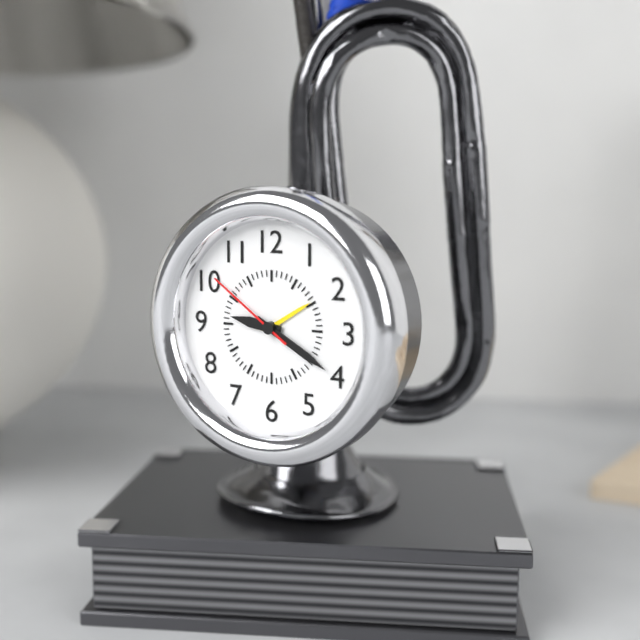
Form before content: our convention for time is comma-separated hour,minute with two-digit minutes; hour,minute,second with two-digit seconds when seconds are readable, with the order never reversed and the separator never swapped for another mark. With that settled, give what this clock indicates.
9,20,51
